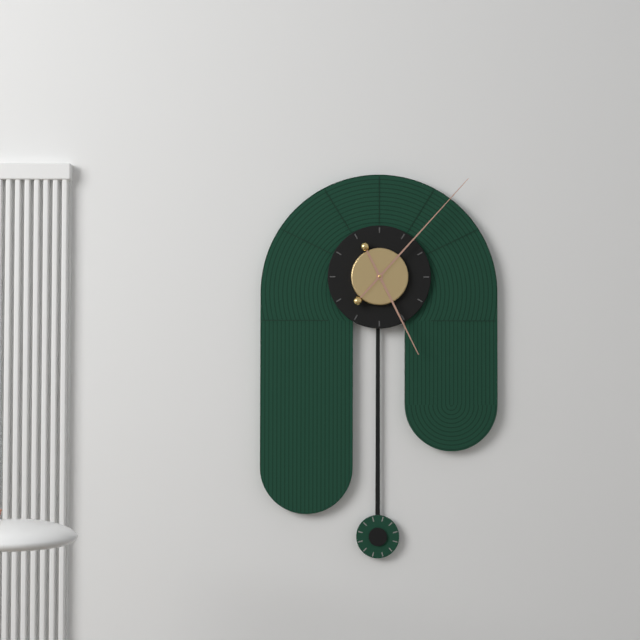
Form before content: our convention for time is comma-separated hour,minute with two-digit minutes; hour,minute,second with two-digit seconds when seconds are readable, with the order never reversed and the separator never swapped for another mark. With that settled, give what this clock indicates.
5,07
